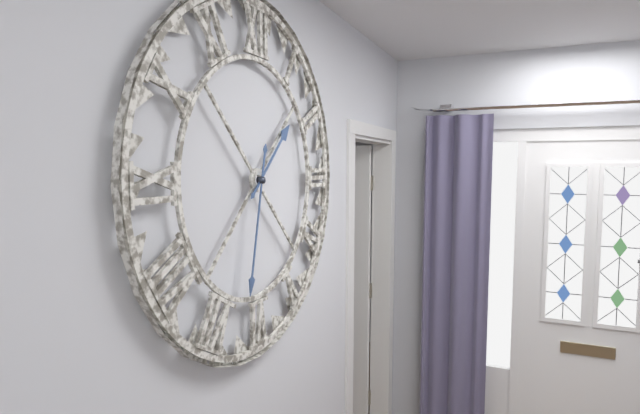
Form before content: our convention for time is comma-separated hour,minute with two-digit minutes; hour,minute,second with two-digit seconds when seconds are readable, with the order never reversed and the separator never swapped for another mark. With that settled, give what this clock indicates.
1,32
